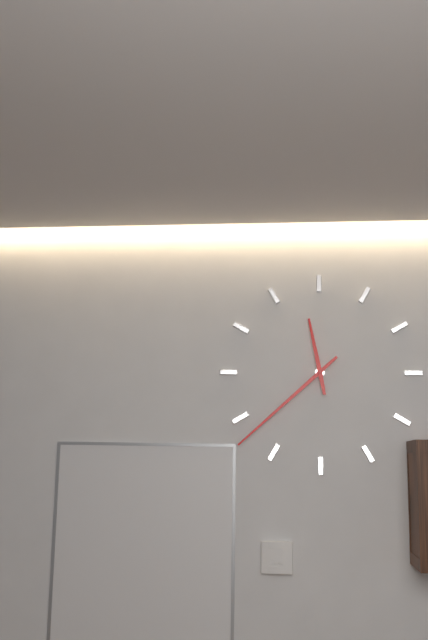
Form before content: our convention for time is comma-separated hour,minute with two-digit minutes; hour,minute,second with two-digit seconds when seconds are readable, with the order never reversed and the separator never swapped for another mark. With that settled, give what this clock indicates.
11,38
